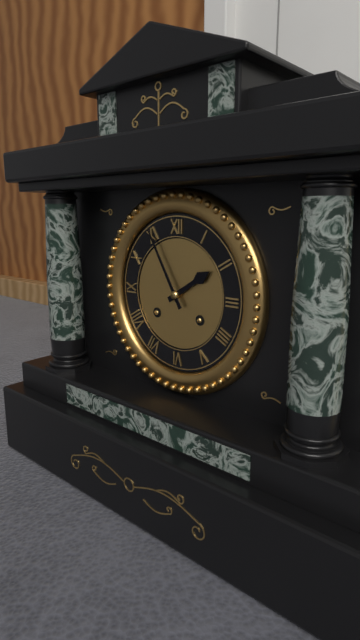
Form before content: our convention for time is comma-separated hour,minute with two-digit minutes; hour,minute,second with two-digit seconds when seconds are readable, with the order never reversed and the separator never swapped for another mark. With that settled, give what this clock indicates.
1,55
